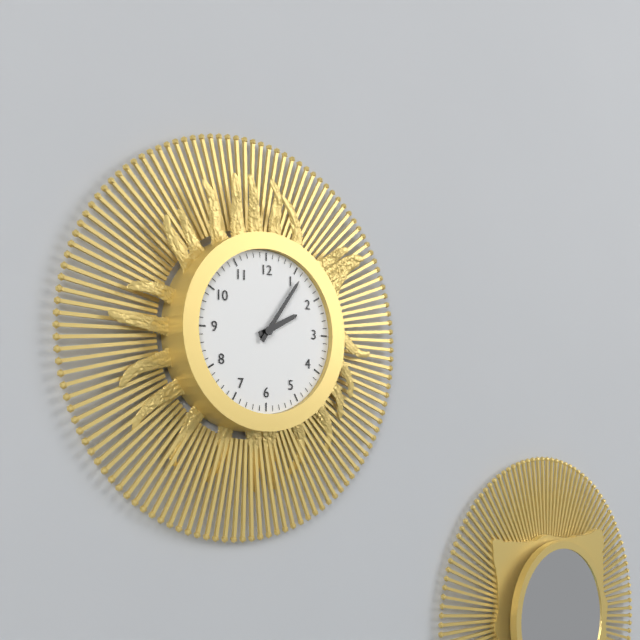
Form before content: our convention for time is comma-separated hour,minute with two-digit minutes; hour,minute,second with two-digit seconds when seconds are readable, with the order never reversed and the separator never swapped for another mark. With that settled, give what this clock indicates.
2,06
